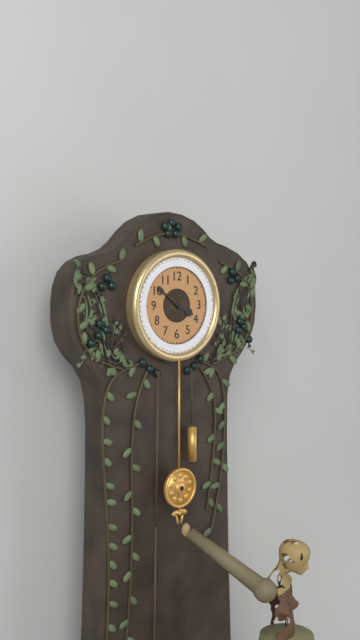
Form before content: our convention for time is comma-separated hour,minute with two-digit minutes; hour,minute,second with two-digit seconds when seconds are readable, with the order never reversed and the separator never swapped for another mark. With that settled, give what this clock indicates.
3,51
